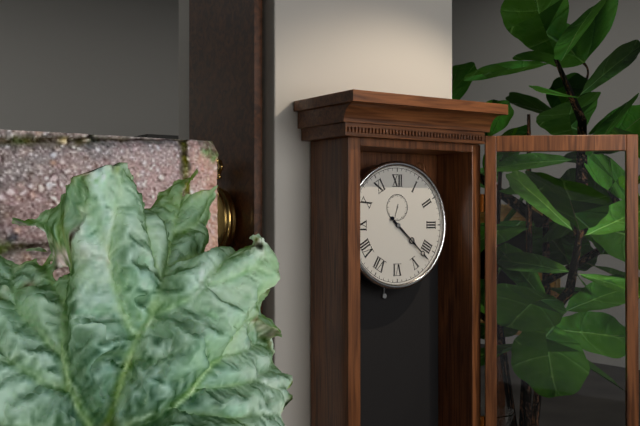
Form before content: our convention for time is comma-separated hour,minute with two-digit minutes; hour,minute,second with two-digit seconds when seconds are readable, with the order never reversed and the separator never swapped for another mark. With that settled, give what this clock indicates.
4,22
